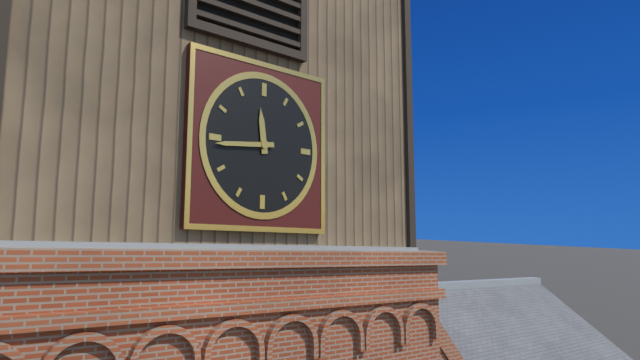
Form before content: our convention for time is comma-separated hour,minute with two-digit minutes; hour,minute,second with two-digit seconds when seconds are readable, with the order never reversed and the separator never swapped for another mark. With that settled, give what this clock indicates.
11,44
